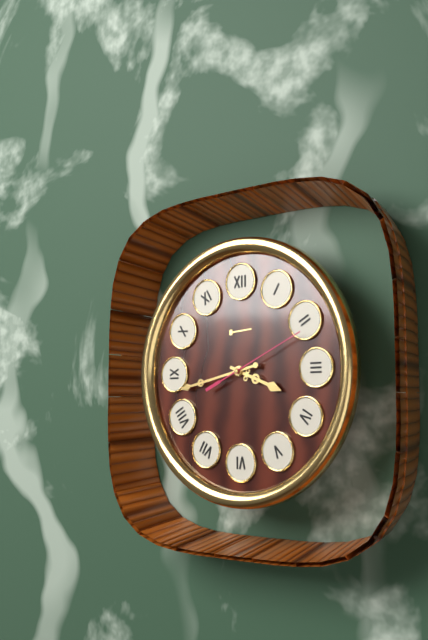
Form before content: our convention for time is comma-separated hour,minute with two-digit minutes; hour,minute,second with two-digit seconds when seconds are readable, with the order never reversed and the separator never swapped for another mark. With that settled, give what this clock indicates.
3,43,11
